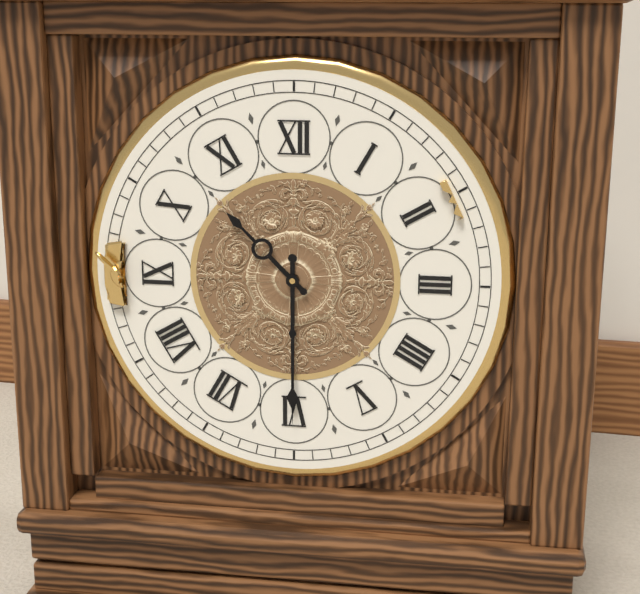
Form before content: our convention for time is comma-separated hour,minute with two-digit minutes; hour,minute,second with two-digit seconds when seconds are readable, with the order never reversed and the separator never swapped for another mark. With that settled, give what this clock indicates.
10,30
